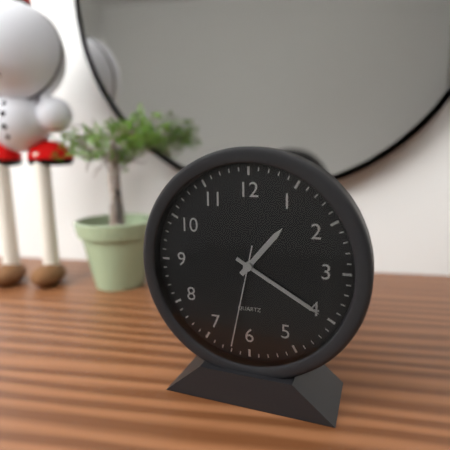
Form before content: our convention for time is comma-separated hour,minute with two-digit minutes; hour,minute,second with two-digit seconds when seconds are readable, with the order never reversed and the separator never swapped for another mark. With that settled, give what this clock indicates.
1,20,32
